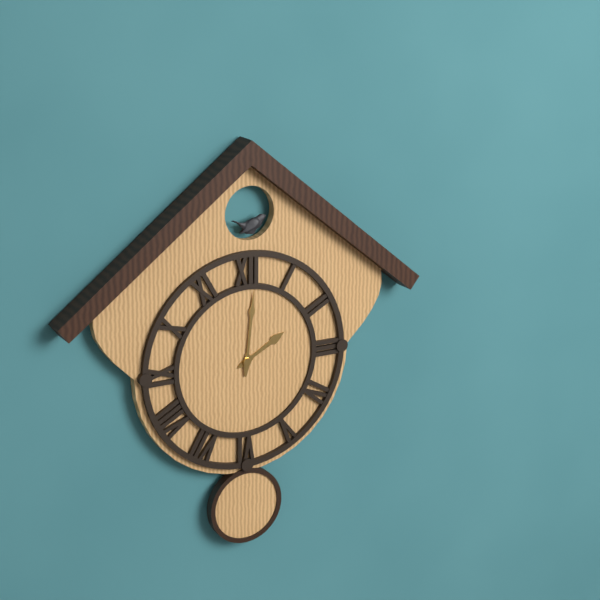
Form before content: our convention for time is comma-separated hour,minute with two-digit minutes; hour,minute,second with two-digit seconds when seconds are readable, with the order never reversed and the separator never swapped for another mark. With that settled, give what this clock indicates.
2,01
